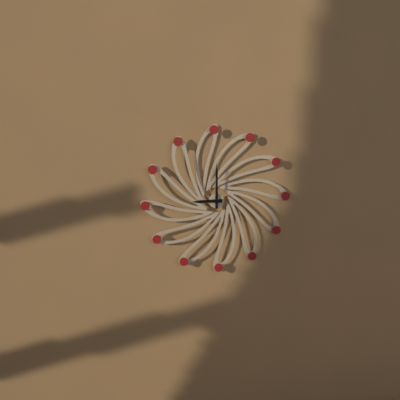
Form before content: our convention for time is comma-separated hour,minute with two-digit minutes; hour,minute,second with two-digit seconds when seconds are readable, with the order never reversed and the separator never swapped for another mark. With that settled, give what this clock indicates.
9,00
